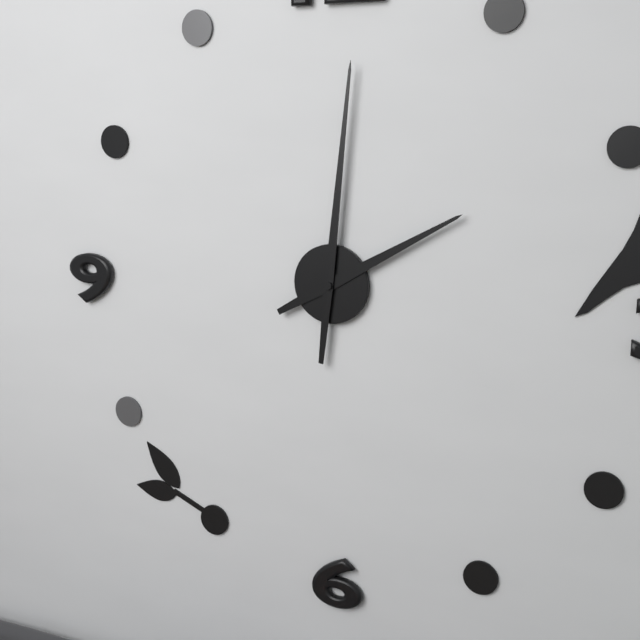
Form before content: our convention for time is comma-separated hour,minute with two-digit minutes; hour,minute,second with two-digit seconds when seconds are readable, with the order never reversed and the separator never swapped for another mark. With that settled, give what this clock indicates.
2,01
